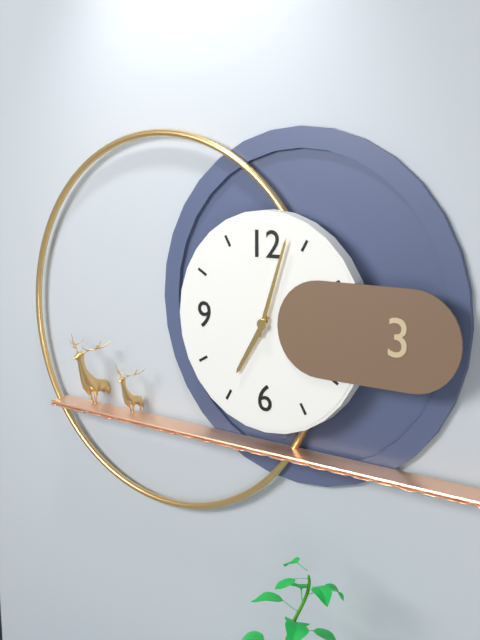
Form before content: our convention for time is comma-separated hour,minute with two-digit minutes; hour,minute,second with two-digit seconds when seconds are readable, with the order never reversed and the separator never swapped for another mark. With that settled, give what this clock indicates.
7,03
